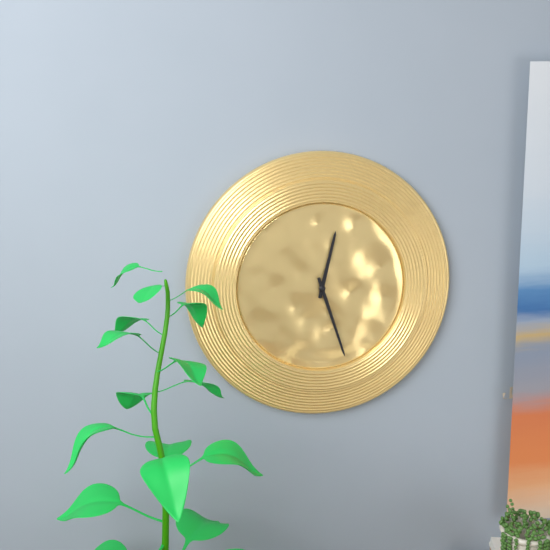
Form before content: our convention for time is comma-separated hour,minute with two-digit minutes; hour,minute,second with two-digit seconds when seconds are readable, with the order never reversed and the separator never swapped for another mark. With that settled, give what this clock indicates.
12,27
